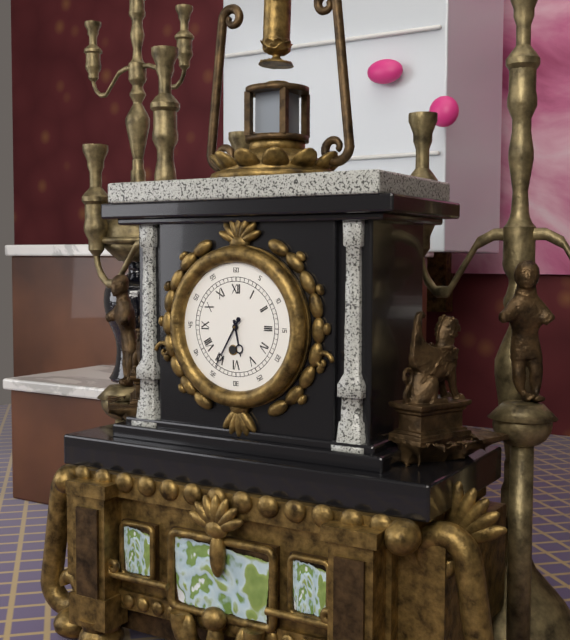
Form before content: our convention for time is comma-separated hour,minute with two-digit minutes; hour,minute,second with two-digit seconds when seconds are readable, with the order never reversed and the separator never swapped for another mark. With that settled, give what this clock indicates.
5,35
